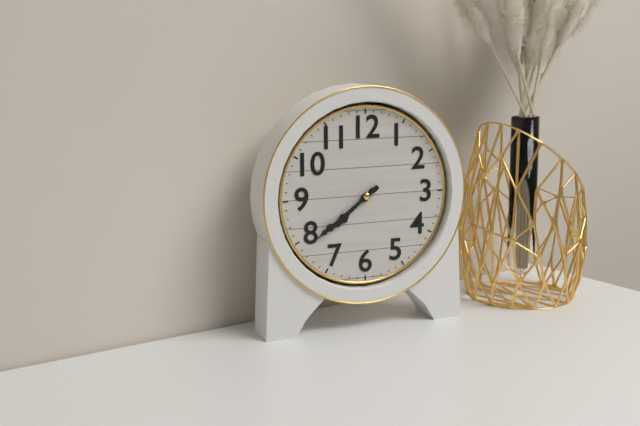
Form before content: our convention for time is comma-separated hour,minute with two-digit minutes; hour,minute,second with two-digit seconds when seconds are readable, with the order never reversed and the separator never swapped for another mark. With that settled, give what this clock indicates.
7,39
